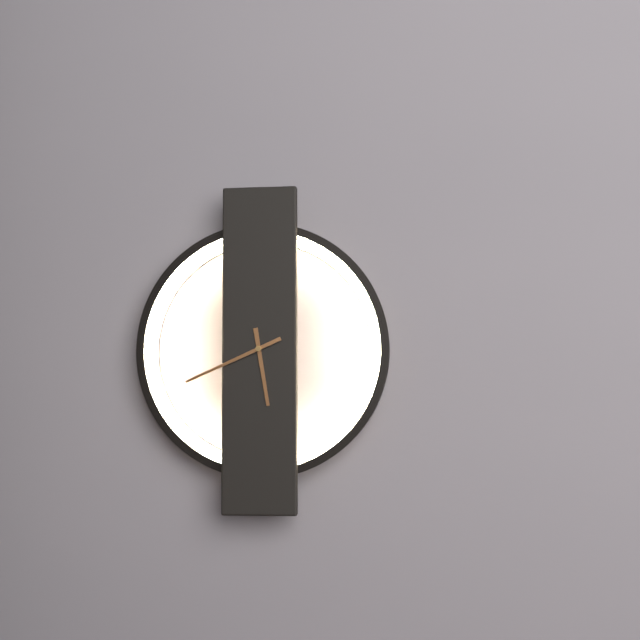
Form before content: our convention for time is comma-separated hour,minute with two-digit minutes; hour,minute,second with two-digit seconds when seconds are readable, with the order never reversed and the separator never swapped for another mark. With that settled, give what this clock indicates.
5,41
